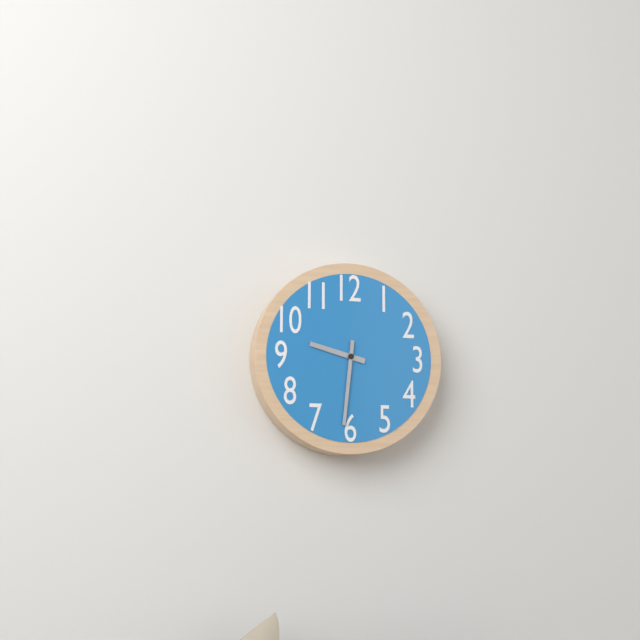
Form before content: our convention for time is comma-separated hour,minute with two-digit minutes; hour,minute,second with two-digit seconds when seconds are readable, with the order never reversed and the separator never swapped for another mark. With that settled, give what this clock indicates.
9,31
